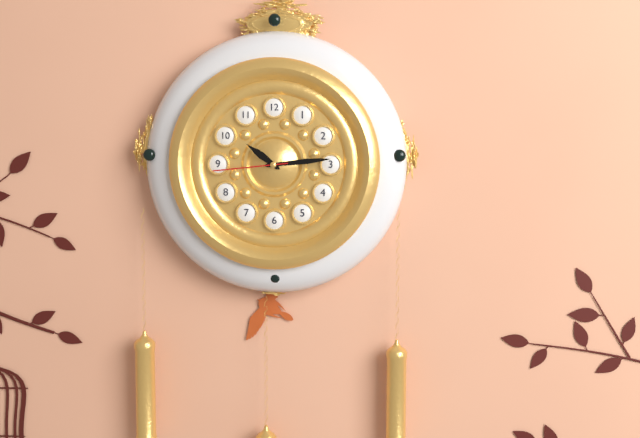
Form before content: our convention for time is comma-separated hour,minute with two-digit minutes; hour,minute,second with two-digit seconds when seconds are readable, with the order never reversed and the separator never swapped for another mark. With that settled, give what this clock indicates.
10,14,44
